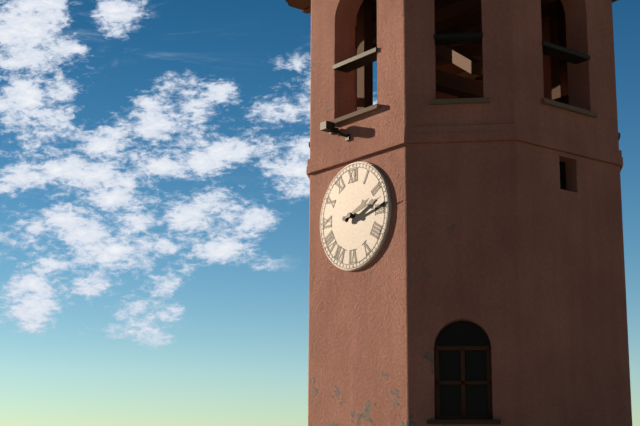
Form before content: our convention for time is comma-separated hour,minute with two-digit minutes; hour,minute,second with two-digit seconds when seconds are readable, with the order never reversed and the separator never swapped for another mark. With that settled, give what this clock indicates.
2,13
